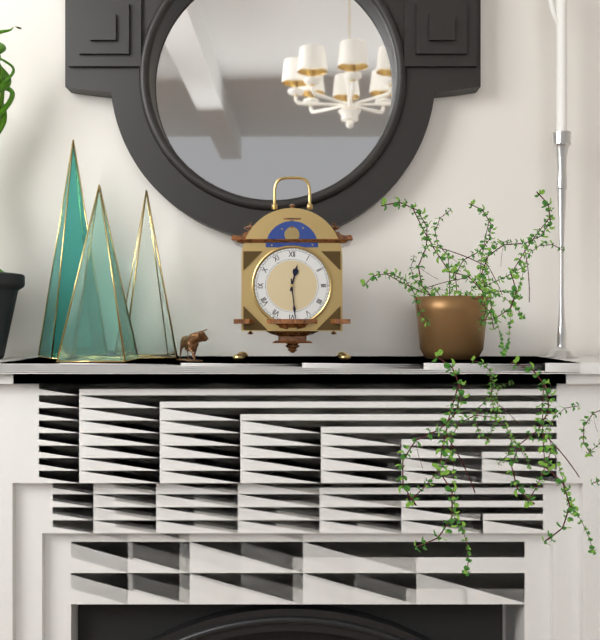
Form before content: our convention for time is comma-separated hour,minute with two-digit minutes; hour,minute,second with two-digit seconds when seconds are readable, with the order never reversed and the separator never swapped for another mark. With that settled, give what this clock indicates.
12,29
